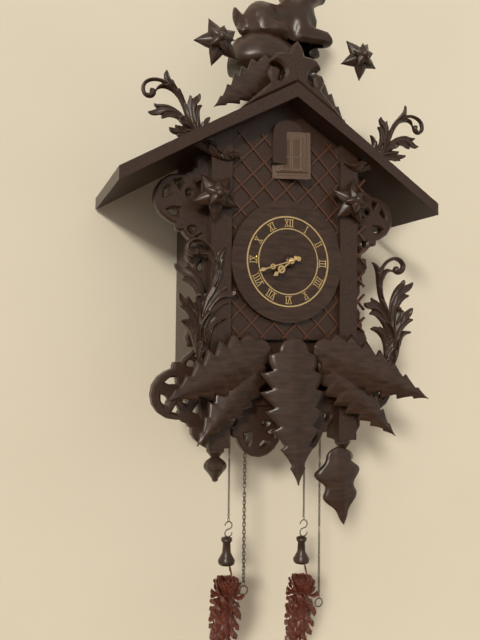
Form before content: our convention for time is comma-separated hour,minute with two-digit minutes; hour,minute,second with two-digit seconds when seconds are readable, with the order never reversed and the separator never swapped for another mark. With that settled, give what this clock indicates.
7,42
